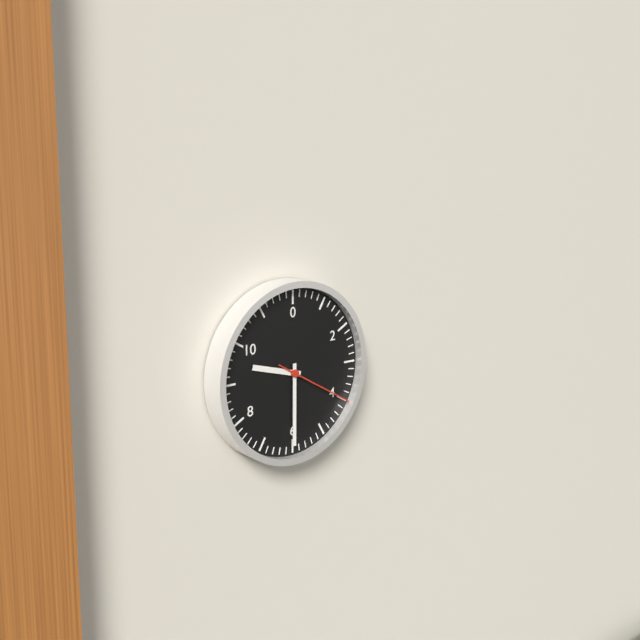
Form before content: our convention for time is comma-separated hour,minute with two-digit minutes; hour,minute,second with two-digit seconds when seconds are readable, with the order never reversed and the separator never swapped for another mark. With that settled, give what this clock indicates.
9,30,20
